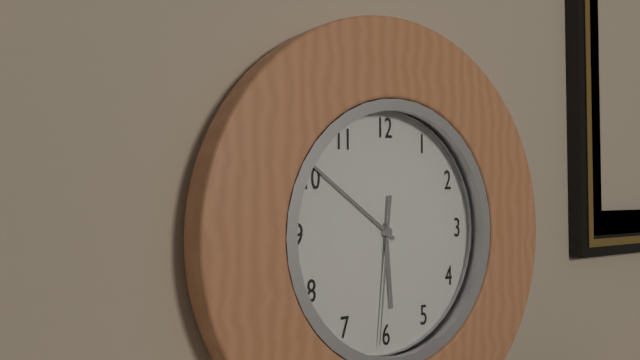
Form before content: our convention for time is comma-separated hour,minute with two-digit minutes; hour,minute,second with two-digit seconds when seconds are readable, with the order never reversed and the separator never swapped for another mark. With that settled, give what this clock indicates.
5,51,31
